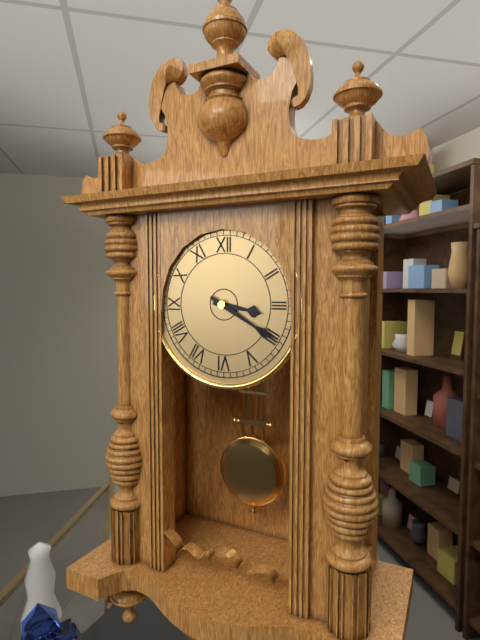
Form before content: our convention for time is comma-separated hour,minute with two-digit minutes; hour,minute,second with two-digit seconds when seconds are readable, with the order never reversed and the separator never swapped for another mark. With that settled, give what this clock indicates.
3,20
